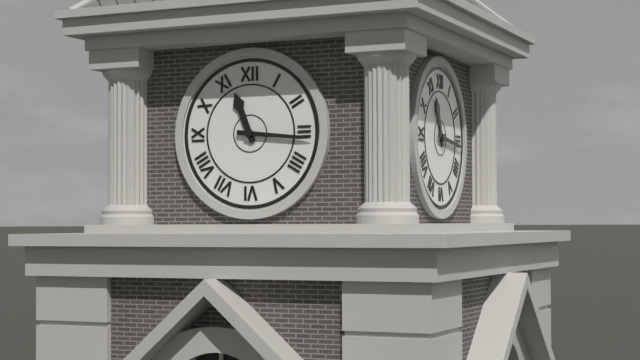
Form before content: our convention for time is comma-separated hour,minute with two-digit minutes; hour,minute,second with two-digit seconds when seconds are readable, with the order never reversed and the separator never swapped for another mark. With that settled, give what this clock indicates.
11,16
